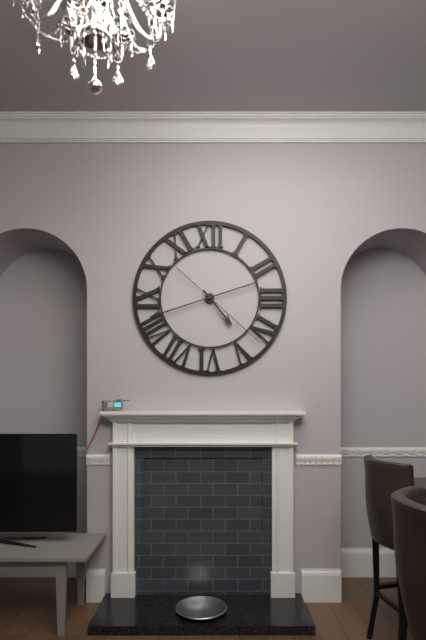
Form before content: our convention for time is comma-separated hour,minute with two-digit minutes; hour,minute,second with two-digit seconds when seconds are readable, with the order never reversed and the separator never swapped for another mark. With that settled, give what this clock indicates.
4,42,22
